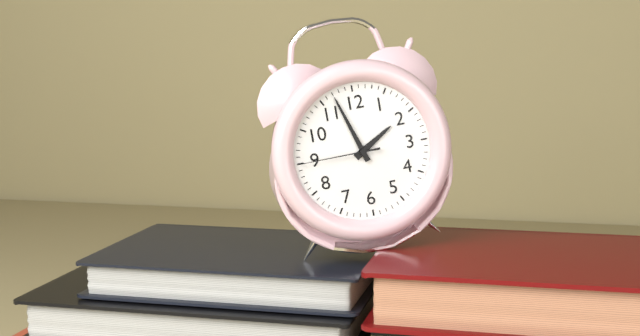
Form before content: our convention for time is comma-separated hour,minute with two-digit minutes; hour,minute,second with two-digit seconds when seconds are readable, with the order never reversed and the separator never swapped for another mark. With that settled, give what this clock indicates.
1,57,45
